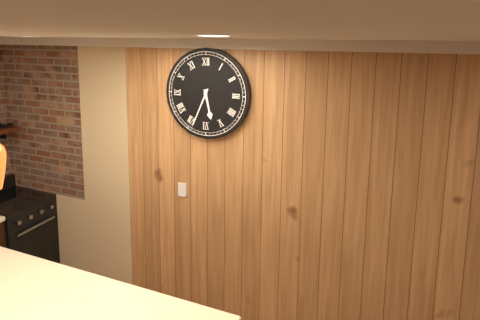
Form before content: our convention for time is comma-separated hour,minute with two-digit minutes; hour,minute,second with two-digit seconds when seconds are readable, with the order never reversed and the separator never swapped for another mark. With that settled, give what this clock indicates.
5,34
